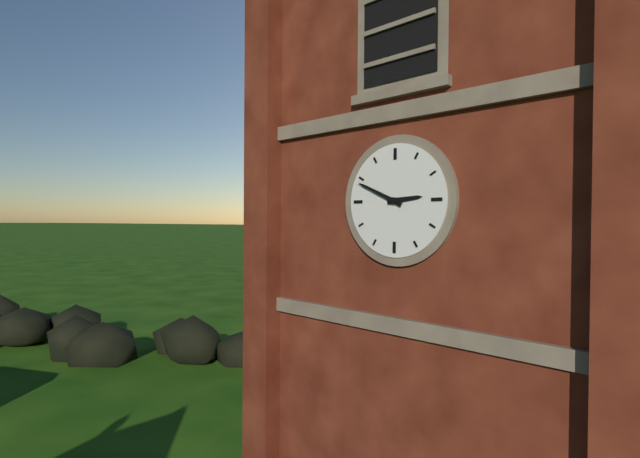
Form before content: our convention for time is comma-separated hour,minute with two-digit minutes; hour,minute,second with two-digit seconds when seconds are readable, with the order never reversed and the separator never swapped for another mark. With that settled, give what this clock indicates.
2,49
